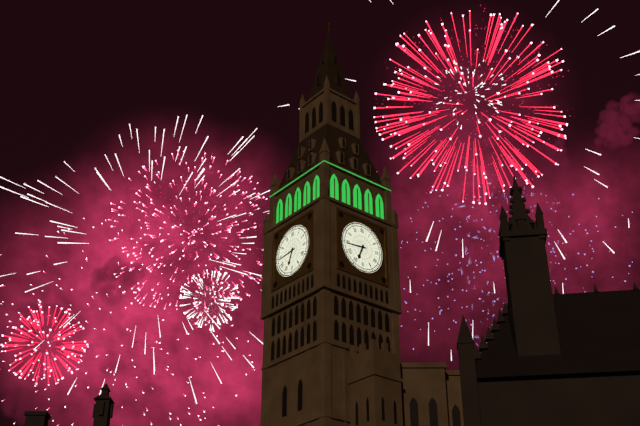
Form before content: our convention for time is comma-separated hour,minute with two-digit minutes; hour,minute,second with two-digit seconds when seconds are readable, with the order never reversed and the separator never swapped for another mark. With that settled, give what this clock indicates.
6,44
